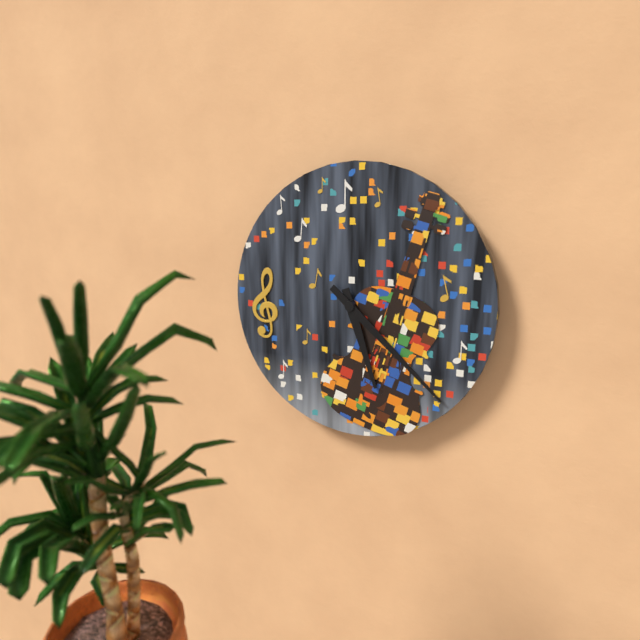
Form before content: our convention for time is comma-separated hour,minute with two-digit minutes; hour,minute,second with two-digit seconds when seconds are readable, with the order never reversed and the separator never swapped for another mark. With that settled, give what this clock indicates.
5,22
